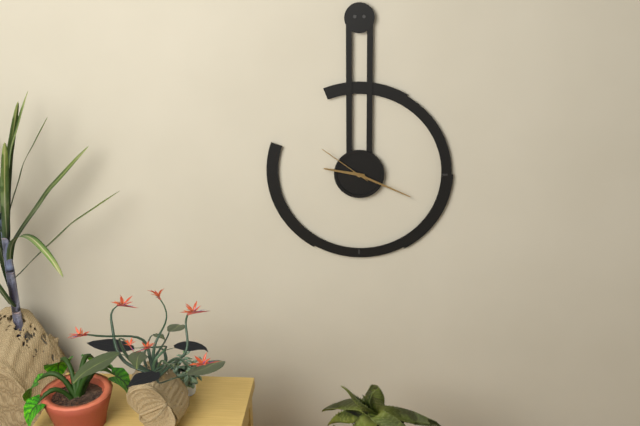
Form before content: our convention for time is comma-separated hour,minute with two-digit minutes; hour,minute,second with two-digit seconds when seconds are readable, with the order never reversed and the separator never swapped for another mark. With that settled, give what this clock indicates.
9,19,51
